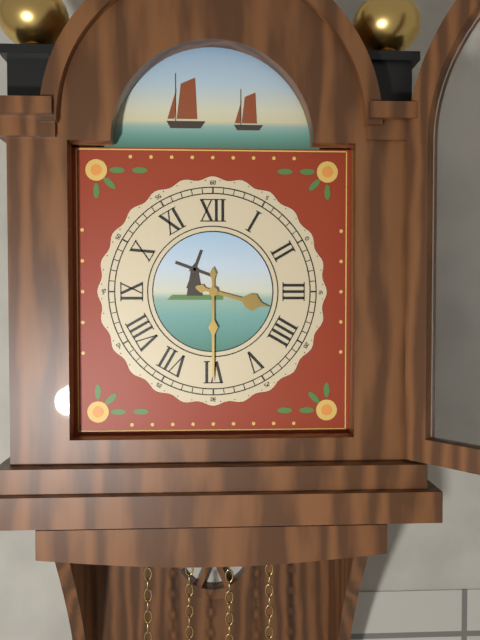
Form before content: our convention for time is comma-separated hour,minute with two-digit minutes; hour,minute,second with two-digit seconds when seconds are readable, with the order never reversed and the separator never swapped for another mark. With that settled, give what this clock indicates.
3,30
